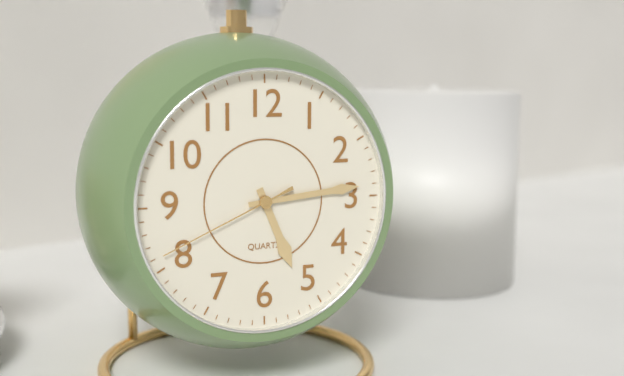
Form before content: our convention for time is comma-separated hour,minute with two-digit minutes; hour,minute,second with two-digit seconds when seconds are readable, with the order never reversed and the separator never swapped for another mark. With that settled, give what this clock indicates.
5,14,41
